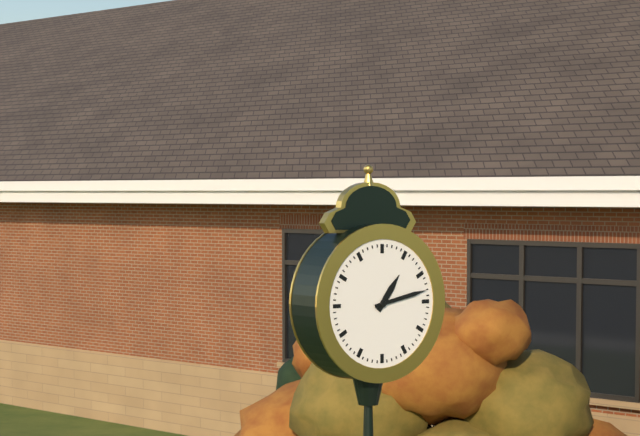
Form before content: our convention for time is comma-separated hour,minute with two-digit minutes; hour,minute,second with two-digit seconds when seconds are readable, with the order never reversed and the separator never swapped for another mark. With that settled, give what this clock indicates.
1,13
